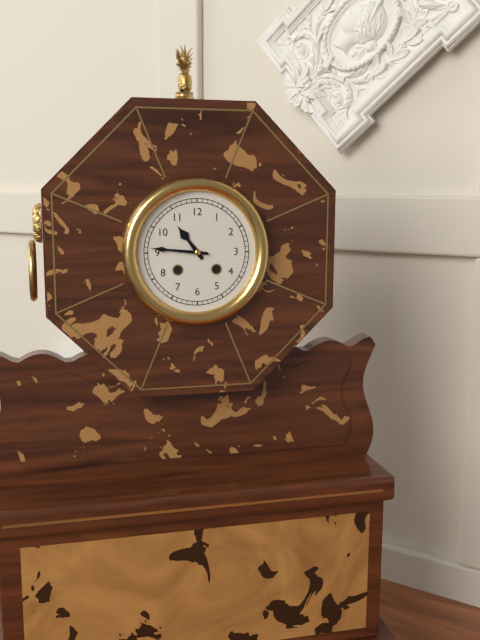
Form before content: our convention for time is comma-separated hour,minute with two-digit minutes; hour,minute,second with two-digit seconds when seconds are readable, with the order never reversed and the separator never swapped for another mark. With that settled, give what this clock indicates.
10,46
